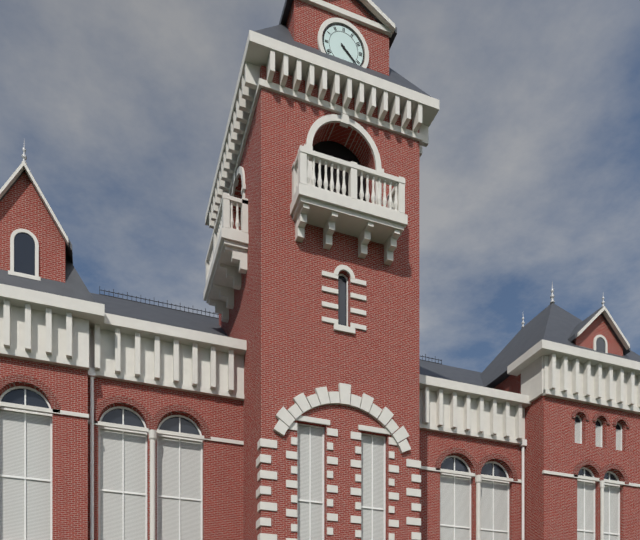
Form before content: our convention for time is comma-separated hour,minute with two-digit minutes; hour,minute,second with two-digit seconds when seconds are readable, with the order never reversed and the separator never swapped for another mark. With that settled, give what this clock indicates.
4,22
